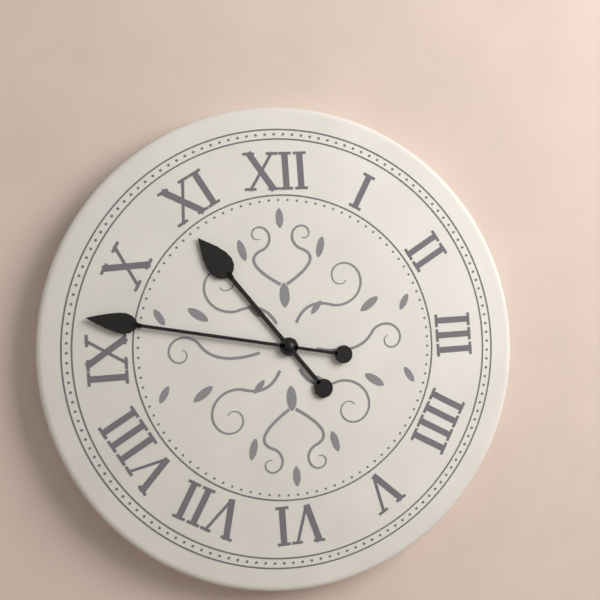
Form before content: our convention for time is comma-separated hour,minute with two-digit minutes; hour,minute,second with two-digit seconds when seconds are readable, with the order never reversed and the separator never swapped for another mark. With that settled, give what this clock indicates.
10,47
